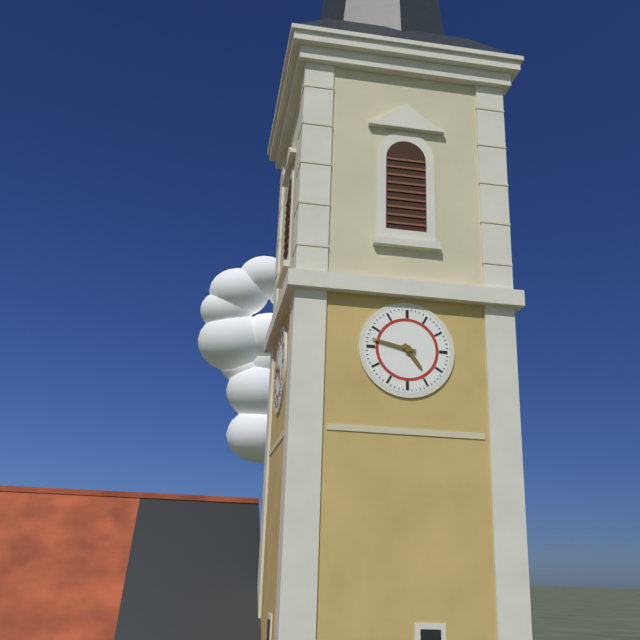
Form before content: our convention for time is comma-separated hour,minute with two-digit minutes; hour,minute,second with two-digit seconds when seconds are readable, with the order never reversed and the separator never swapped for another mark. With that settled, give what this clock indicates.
4,47
